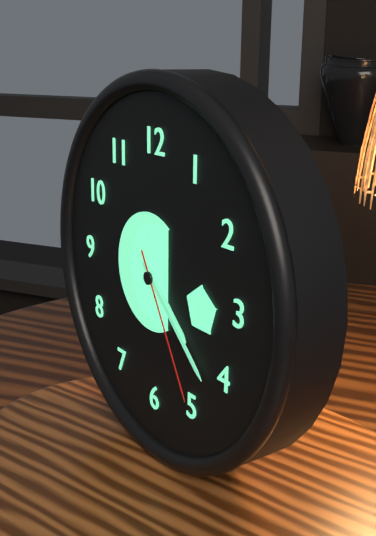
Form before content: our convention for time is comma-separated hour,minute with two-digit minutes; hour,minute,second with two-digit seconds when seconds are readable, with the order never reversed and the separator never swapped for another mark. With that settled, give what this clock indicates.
4,22,25
